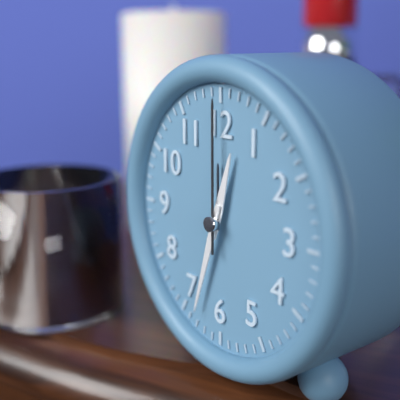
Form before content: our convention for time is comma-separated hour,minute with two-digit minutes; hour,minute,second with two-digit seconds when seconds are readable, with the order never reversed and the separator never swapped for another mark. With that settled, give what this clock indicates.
12,33,00
